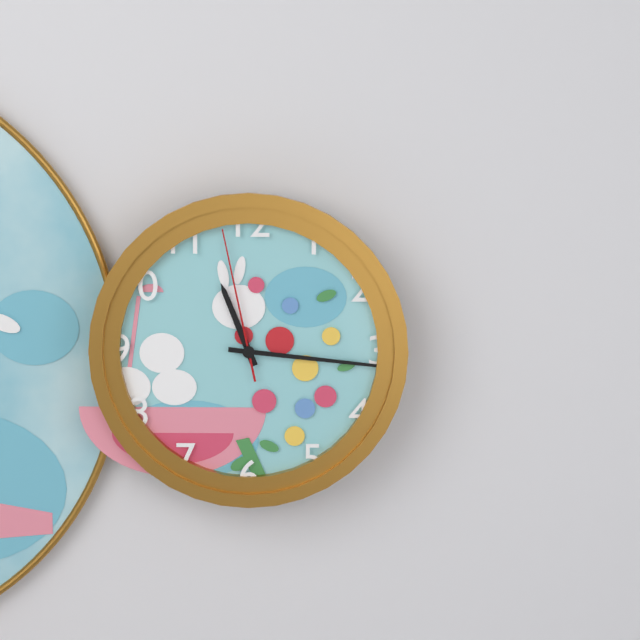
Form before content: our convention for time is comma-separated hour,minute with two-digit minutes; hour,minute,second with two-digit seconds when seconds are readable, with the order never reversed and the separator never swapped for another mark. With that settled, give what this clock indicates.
11,16,58
